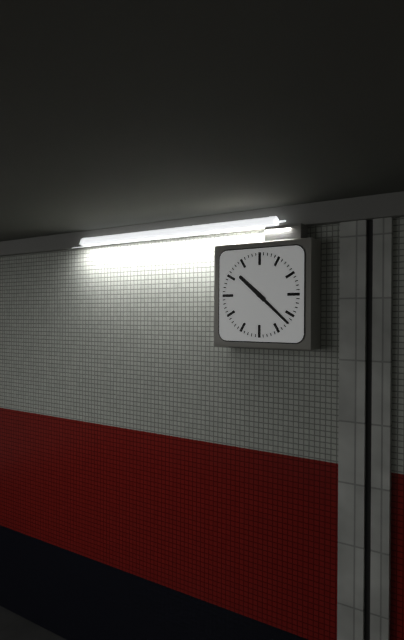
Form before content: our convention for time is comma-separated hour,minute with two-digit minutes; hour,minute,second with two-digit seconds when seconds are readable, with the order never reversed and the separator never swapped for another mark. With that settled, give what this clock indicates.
10,22
